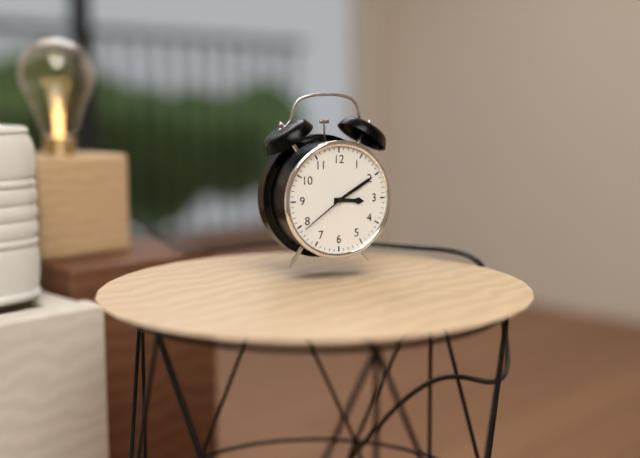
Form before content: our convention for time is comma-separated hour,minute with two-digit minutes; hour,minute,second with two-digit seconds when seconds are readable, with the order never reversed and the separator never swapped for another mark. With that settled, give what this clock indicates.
3,10,39
